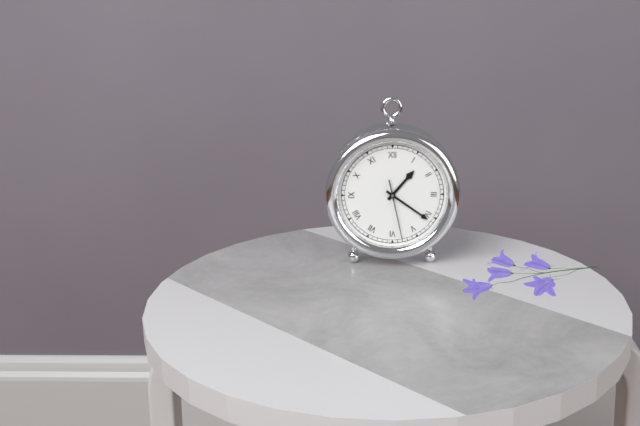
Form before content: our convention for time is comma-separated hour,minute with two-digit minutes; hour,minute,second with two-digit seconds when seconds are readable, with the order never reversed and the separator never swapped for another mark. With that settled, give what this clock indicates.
1,21,28
